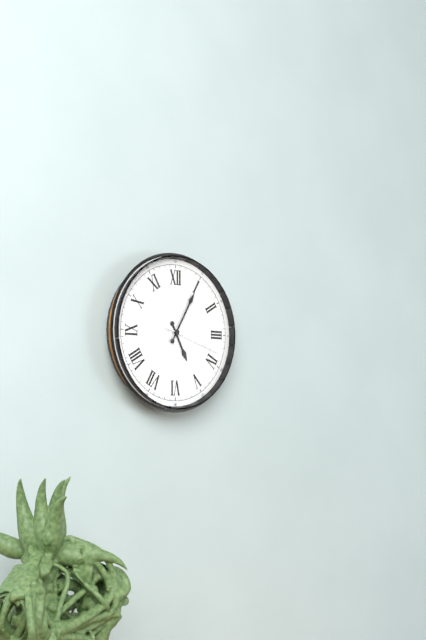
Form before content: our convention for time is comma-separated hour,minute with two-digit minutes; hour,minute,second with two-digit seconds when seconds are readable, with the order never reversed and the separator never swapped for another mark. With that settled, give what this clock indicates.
5,05,18
